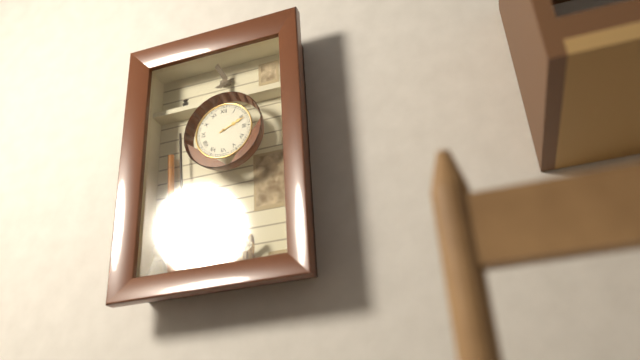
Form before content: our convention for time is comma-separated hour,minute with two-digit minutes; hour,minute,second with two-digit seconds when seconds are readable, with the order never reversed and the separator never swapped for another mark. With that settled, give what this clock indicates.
2,11
